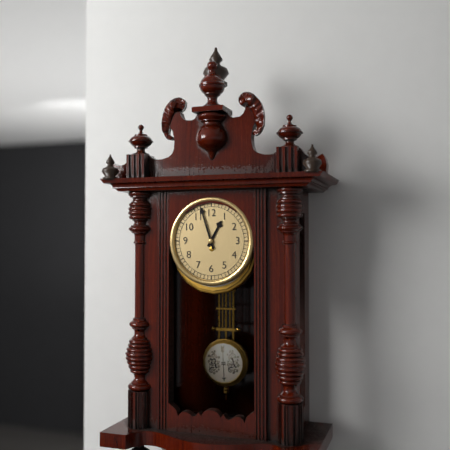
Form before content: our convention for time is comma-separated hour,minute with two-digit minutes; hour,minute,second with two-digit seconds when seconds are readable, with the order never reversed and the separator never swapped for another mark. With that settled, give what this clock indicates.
12,57
